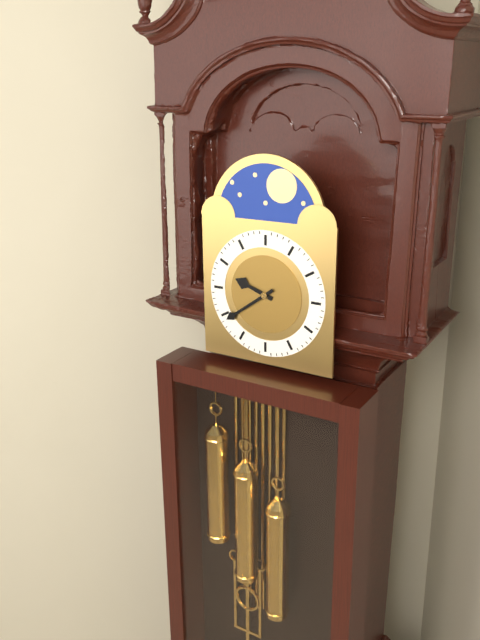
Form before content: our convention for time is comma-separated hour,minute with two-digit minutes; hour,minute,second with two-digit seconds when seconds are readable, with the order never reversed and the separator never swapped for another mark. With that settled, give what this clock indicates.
9,39
